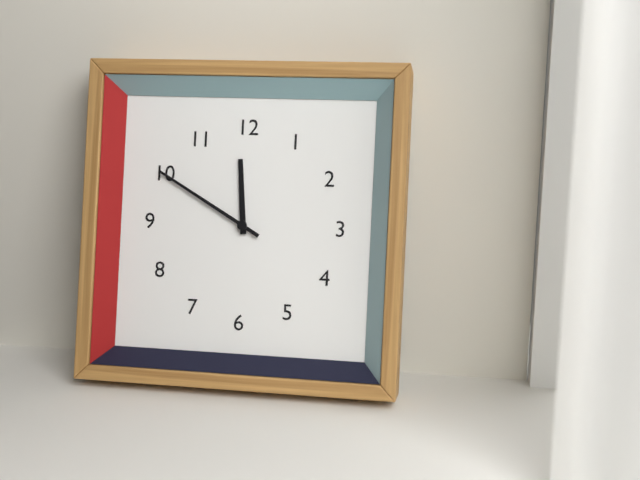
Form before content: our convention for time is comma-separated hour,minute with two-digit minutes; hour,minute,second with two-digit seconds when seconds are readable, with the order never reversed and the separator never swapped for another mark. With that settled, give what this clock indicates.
11,50
